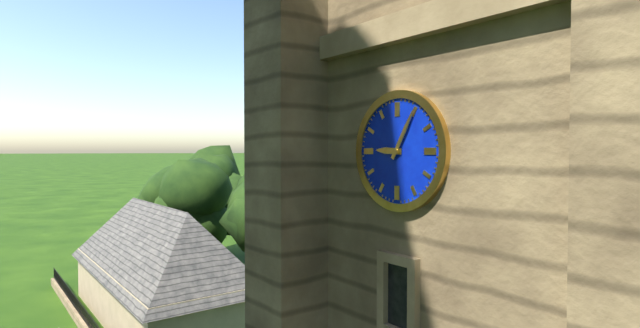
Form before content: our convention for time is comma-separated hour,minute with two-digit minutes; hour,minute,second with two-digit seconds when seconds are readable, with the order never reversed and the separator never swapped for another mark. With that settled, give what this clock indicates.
9,05
